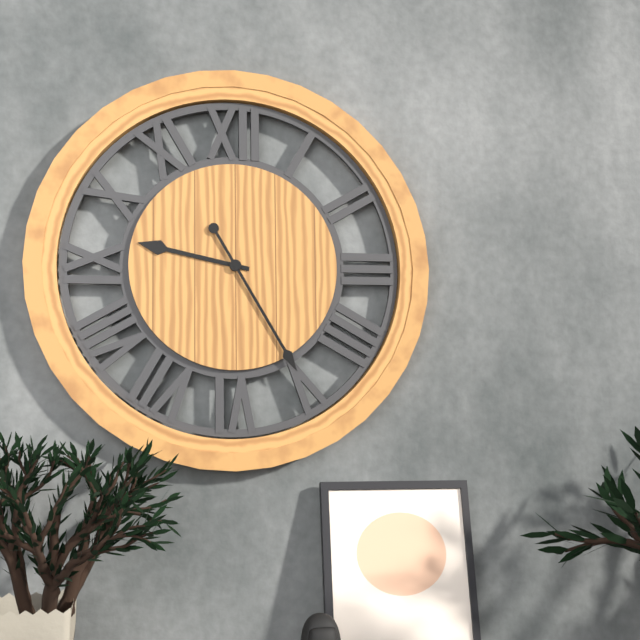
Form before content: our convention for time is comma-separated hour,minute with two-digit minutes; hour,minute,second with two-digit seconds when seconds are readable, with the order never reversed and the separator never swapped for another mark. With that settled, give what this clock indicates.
9,25
